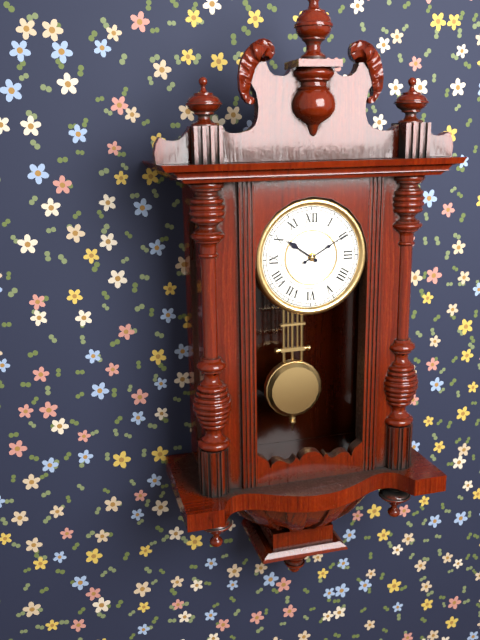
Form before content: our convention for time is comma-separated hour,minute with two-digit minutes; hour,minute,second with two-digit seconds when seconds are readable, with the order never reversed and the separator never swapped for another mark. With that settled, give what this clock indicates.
10,10
